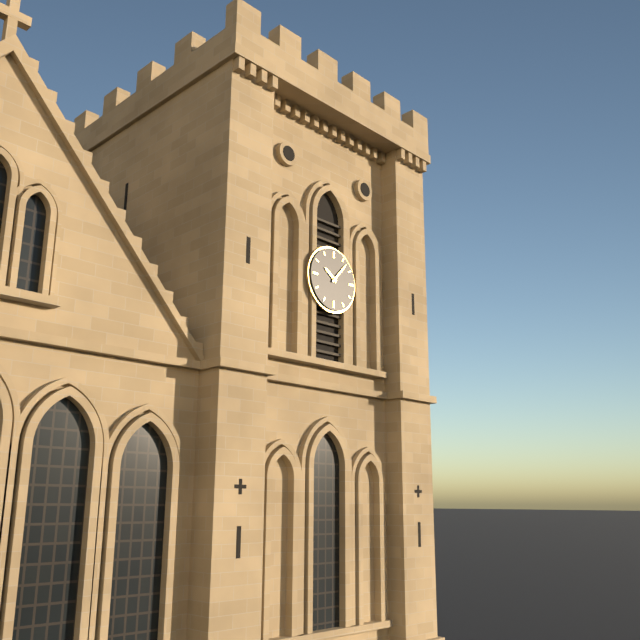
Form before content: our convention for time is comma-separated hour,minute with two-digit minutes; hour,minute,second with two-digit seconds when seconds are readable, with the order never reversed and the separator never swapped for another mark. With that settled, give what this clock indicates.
10,07
